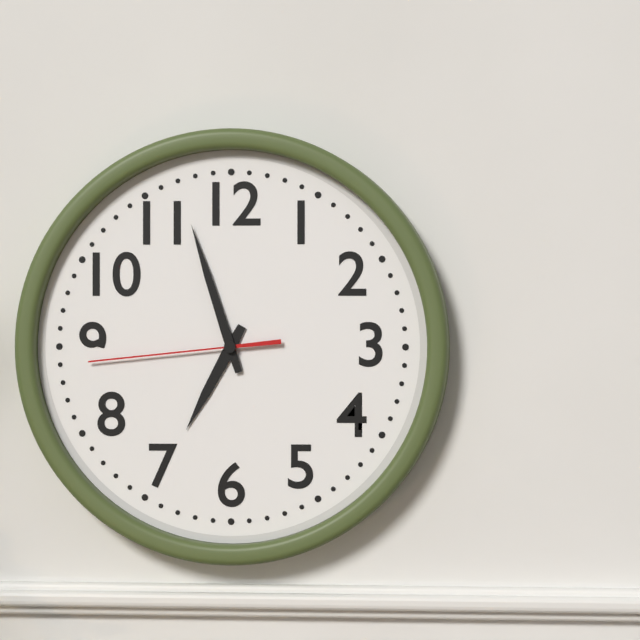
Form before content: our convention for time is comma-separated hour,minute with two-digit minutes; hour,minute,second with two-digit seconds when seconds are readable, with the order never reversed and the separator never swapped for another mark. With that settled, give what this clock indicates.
6,57,44
